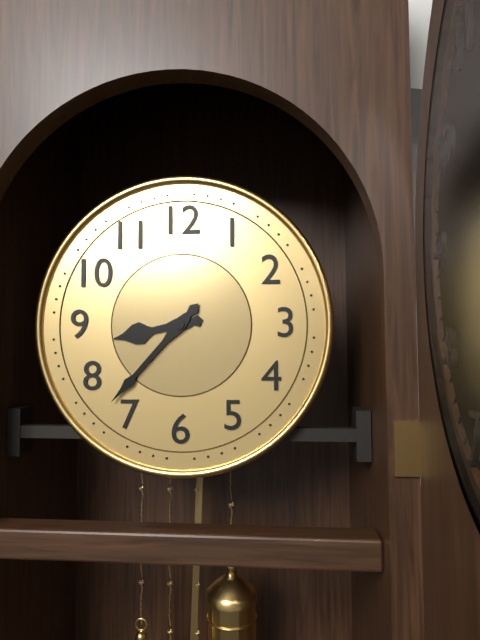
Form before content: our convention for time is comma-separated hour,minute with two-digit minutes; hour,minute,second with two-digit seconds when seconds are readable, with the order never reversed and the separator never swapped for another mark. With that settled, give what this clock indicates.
8,37
